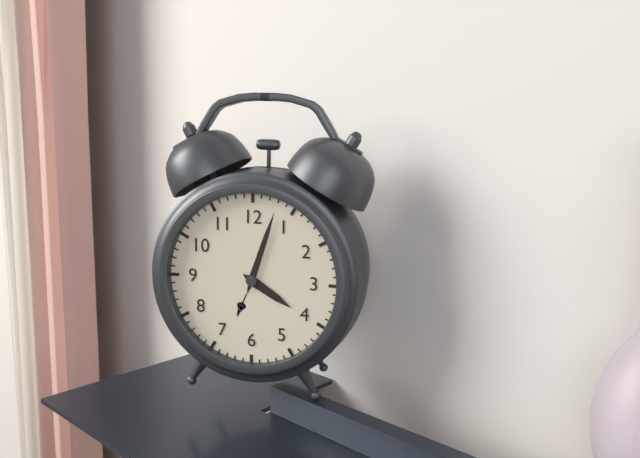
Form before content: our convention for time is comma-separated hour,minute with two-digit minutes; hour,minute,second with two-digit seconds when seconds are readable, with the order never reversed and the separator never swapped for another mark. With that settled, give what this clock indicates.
4,03
